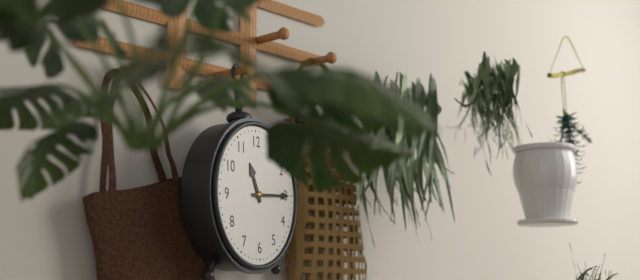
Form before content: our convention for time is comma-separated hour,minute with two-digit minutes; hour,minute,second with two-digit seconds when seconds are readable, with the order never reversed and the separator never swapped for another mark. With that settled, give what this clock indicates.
11,15
